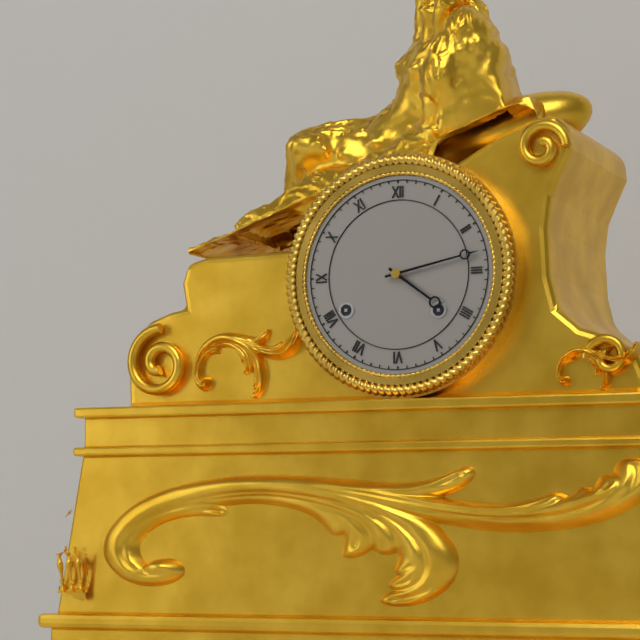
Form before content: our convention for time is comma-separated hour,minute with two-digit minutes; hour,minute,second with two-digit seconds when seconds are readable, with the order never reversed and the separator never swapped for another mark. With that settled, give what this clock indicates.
4,13
